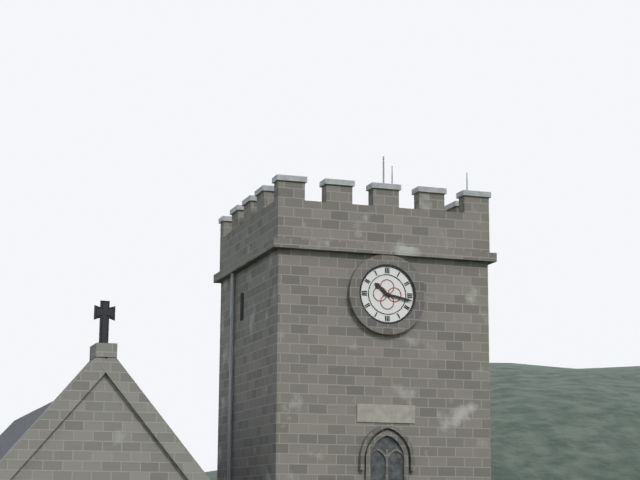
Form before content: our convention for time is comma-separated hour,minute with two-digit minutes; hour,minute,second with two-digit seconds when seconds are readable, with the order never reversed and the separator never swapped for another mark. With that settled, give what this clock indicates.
10,17
